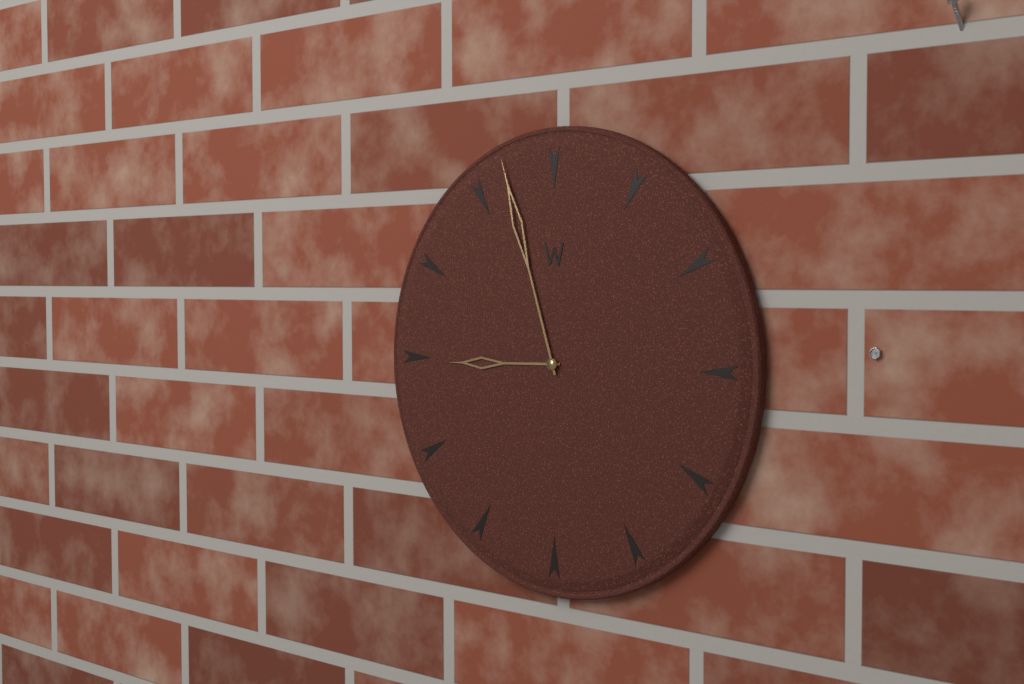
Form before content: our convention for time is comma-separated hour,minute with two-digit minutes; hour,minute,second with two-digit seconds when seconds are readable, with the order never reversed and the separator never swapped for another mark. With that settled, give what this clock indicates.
8,57
